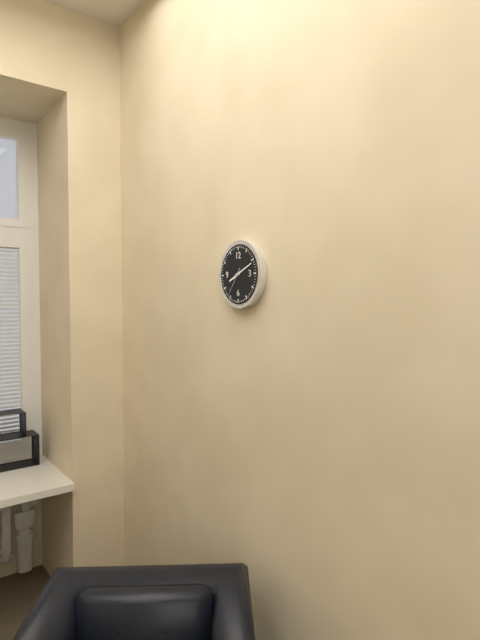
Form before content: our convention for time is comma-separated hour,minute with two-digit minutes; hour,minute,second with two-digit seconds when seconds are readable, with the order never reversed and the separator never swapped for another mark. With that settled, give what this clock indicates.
8,11
